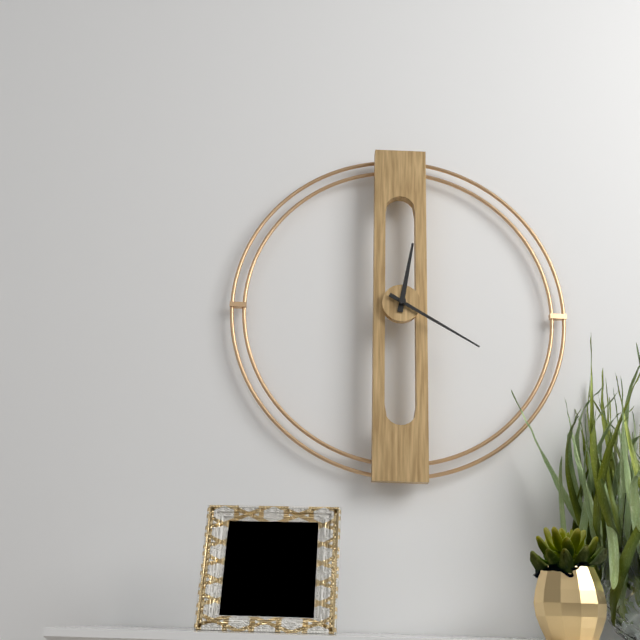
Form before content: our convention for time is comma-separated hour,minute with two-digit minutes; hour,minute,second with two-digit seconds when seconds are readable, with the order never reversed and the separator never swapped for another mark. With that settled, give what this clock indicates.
12,20
